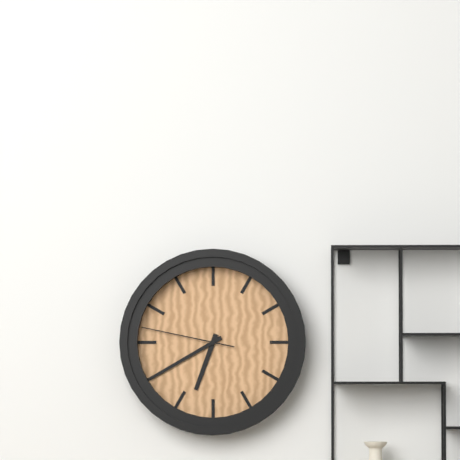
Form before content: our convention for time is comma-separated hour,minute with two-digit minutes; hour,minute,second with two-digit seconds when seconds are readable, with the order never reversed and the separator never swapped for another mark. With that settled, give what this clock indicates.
6,40,47
